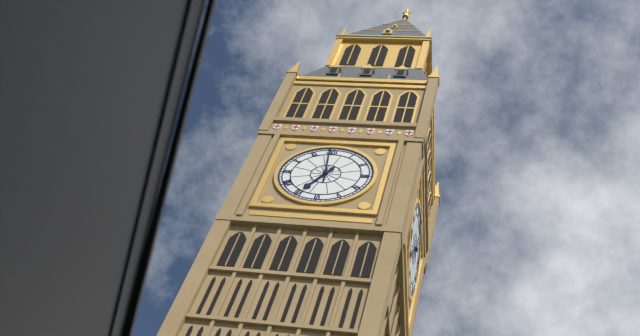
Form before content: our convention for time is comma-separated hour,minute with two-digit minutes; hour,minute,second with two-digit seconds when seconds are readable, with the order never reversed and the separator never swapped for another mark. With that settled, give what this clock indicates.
6,59
